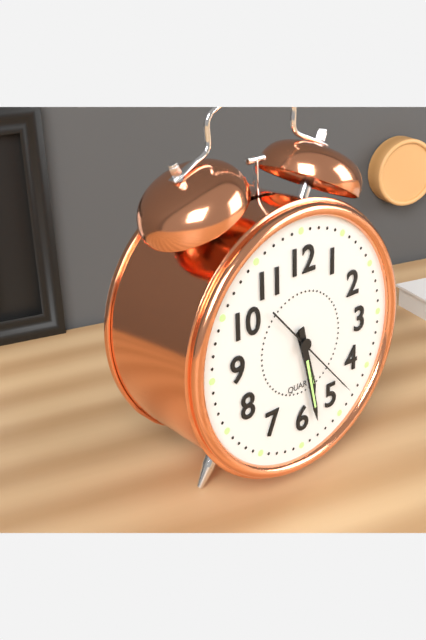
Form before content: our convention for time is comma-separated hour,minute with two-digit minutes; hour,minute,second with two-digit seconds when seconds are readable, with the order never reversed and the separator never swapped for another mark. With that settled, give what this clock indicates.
5,28,23
